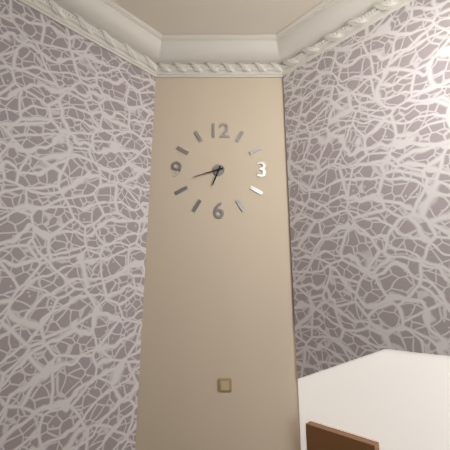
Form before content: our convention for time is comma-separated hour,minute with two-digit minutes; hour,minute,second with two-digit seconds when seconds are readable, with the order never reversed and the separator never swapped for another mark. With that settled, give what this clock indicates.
6,42
